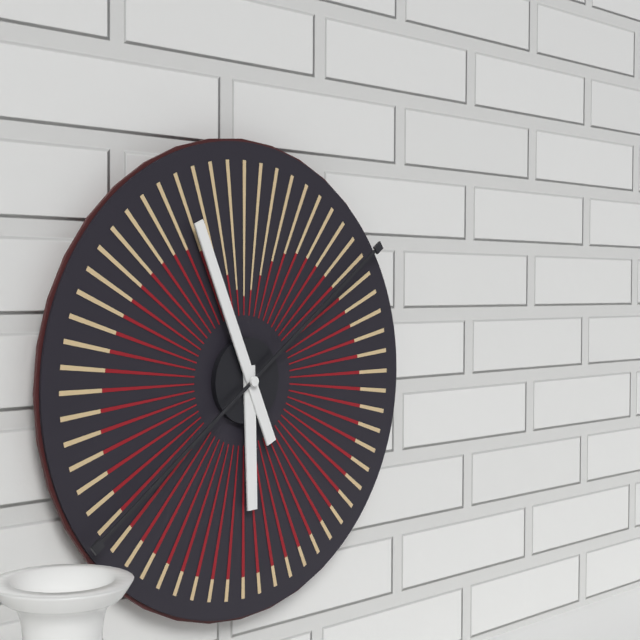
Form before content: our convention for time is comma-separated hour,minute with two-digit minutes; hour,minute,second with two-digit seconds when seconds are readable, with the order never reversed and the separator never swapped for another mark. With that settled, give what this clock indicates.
5,56
